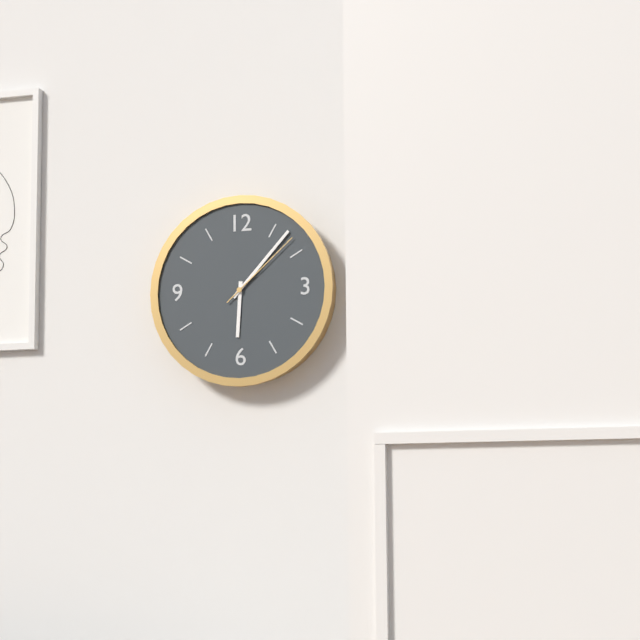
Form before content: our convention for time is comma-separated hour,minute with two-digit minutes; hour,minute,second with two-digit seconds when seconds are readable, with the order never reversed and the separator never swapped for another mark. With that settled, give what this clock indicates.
6,07,08
